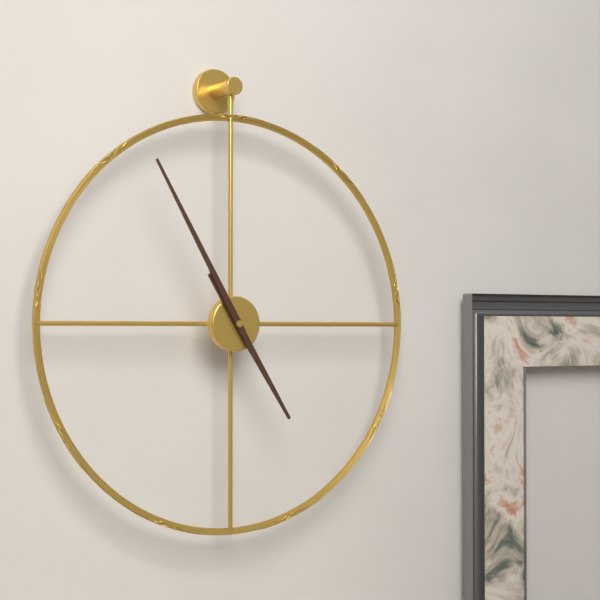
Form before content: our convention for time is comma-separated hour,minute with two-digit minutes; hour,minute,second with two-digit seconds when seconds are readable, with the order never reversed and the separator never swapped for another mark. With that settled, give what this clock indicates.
4,55
